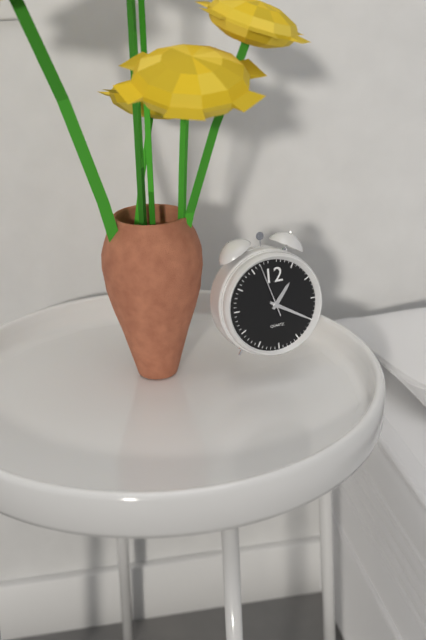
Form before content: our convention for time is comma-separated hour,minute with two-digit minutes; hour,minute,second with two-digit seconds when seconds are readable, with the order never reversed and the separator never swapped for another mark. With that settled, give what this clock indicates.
1,20,57
